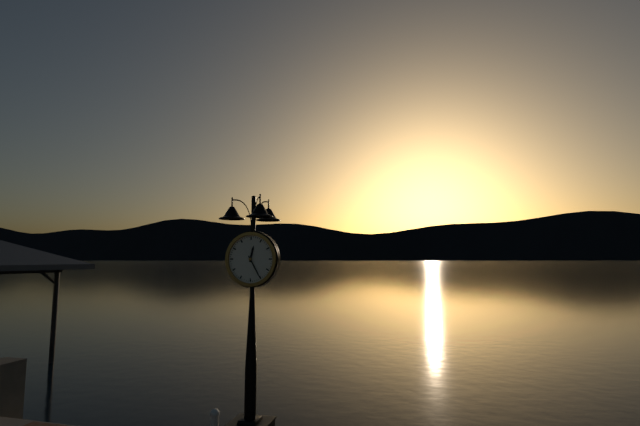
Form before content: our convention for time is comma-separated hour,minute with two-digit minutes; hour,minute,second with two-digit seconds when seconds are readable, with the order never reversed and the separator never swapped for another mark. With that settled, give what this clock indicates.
12,25
